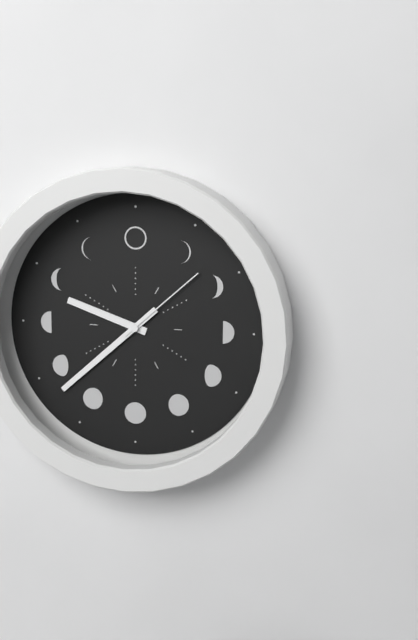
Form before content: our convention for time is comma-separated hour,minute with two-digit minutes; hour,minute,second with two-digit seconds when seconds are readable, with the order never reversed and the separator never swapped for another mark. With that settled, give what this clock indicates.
9,38,08
